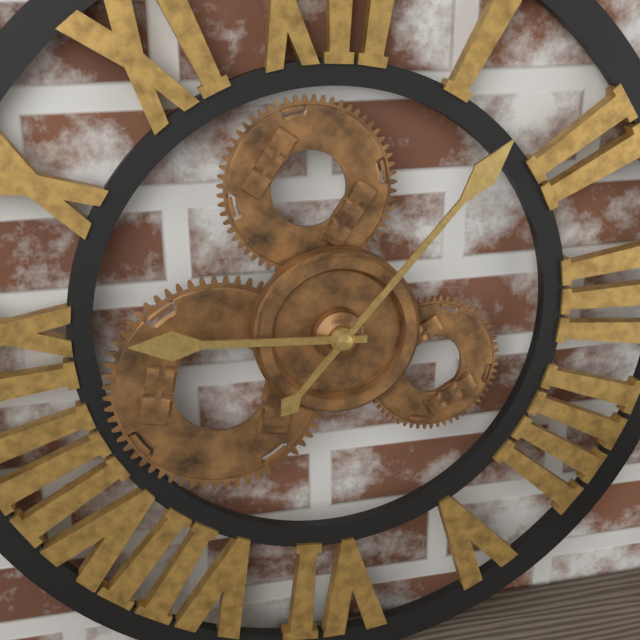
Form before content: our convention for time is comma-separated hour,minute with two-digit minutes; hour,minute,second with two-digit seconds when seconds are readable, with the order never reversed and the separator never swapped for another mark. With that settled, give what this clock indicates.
9,07
